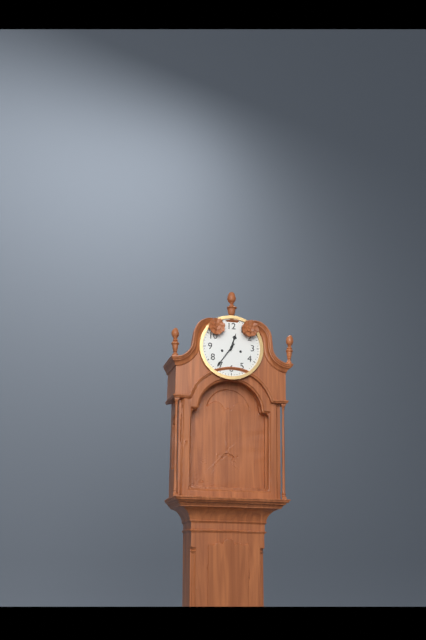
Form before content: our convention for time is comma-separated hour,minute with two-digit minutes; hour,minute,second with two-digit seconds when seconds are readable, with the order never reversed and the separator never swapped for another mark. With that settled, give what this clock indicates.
12,36
